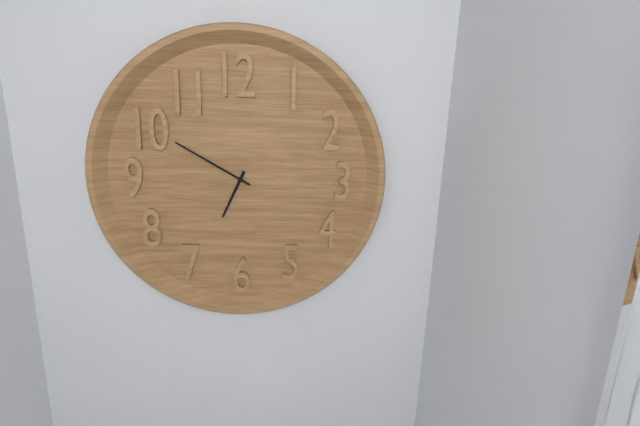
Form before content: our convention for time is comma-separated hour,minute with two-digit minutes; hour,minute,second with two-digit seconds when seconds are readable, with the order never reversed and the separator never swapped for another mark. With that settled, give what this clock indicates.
6,50
